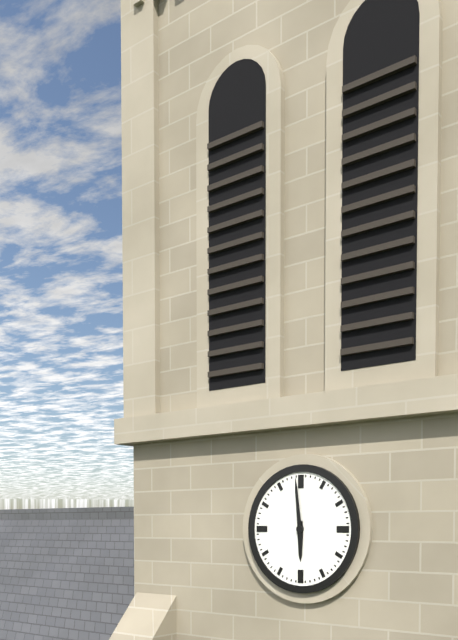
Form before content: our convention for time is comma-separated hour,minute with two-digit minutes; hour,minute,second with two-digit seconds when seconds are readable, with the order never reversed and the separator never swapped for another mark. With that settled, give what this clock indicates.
5,59
